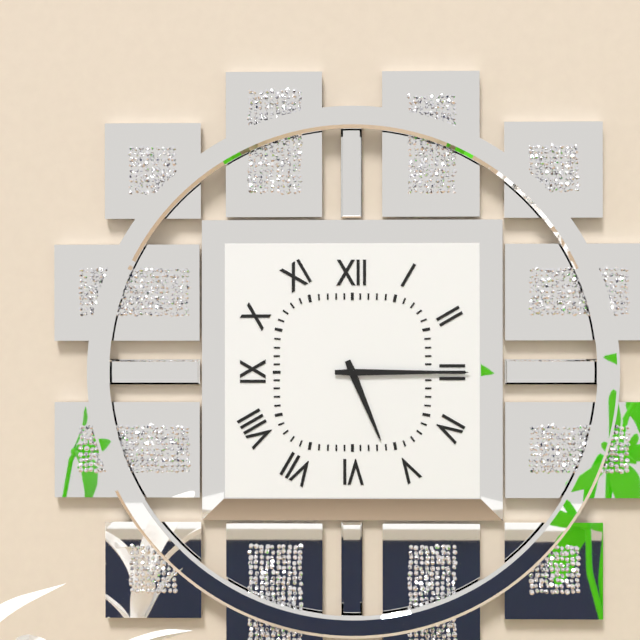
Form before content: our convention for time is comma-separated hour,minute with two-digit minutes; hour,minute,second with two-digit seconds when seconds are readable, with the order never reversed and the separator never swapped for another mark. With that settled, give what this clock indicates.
5,15
